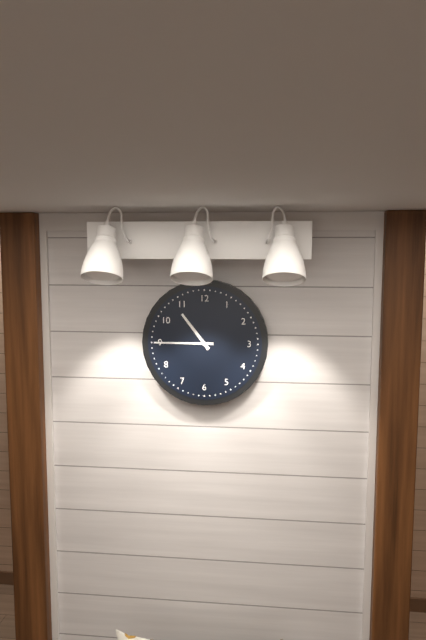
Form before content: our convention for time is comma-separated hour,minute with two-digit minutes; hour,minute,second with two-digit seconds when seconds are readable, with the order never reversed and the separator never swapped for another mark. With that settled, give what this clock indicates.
10,45
